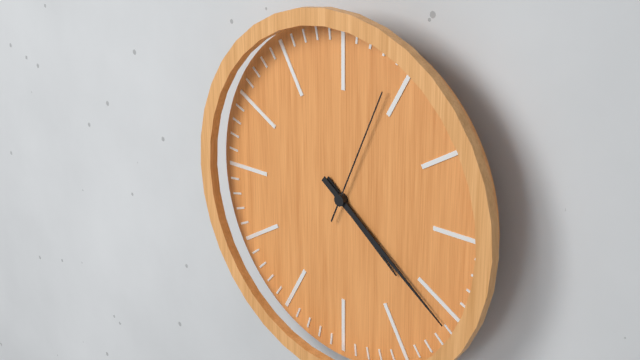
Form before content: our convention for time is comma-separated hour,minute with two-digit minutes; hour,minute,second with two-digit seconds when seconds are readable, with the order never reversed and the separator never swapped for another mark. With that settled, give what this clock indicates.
4,21,04
